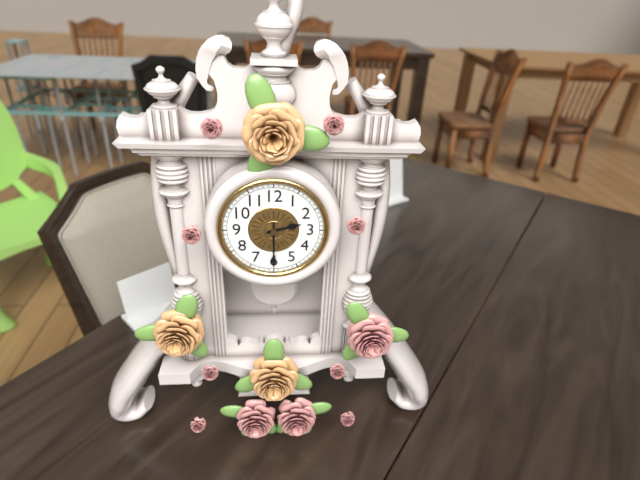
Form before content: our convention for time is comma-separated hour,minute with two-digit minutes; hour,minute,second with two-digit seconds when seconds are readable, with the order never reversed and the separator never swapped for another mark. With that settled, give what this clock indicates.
2,30
